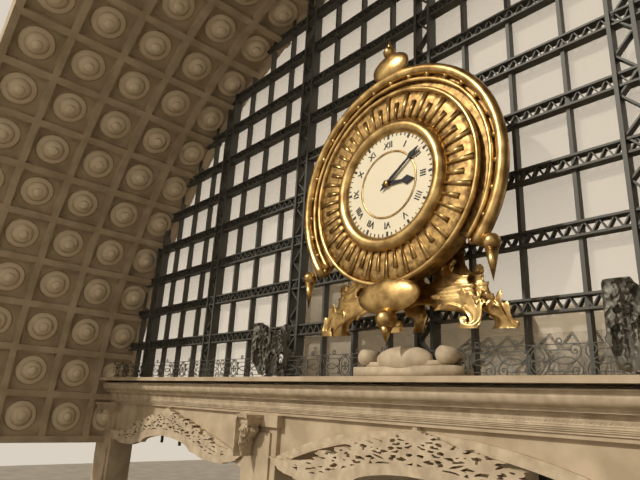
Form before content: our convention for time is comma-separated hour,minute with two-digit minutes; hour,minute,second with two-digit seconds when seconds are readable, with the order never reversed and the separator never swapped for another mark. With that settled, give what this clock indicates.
3,09
